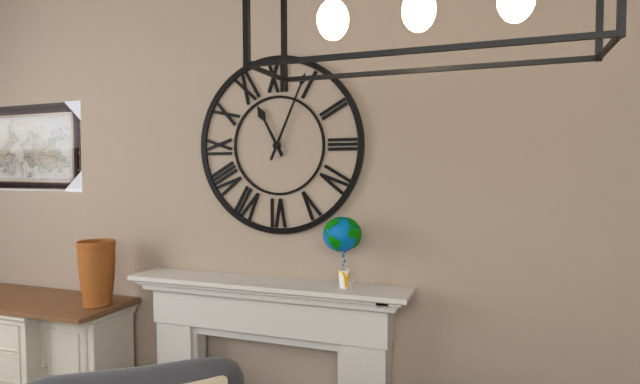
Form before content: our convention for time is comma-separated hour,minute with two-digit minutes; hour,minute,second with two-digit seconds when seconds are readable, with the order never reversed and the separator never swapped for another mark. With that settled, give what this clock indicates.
11,04
